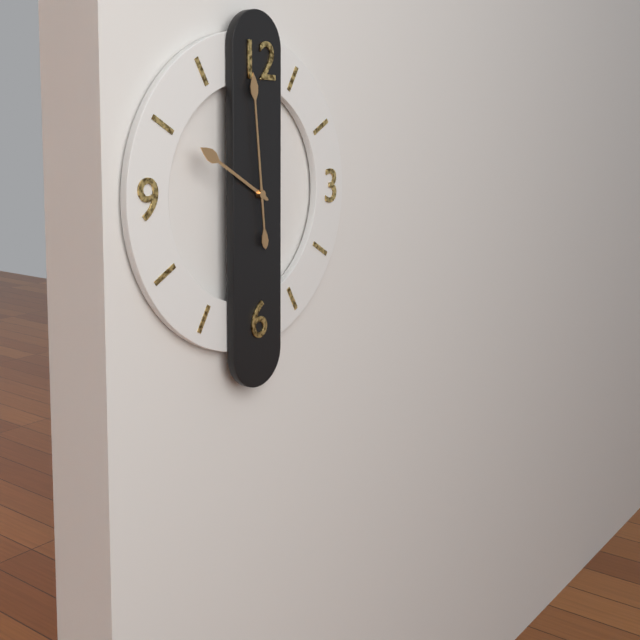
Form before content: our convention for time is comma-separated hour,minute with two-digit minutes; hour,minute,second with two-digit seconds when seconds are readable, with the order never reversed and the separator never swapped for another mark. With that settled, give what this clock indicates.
9,59
